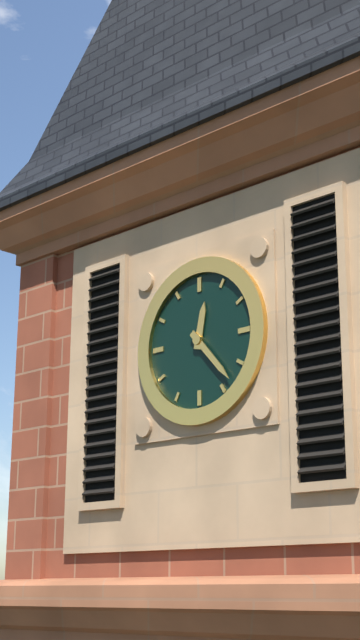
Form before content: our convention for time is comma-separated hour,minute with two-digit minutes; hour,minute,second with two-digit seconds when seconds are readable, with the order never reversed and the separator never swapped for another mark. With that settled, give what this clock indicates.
12,23
